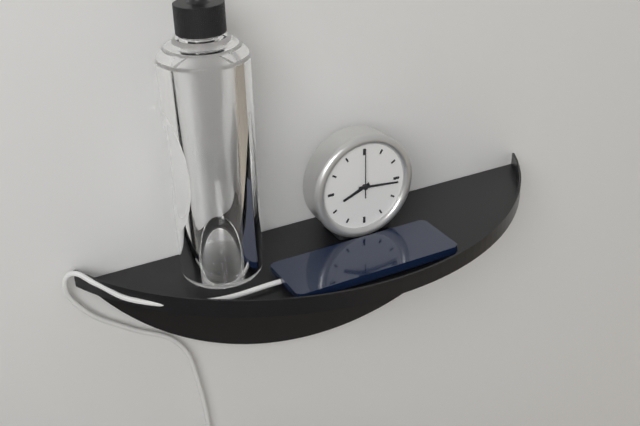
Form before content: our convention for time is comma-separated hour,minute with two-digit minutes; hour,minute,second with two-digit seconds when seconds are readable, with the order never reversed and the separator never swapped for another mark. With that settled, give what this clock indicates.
8,16
